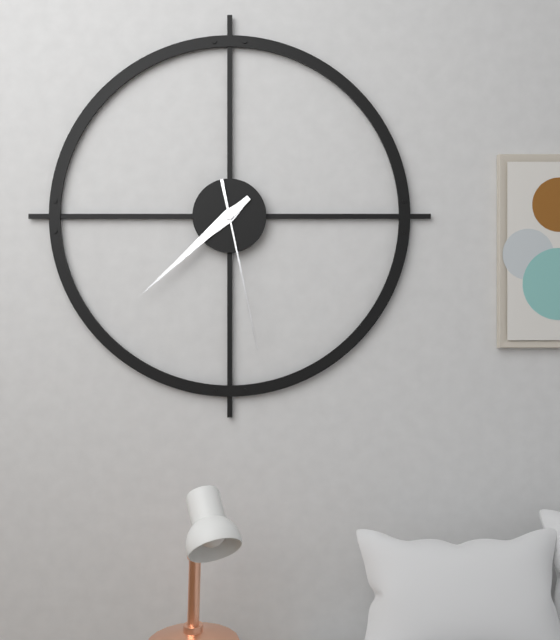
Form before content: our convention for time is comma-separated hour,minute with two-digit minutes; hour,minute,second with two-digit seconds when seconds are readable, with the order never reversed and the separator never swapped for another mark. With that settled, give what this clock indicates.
7,38,28
